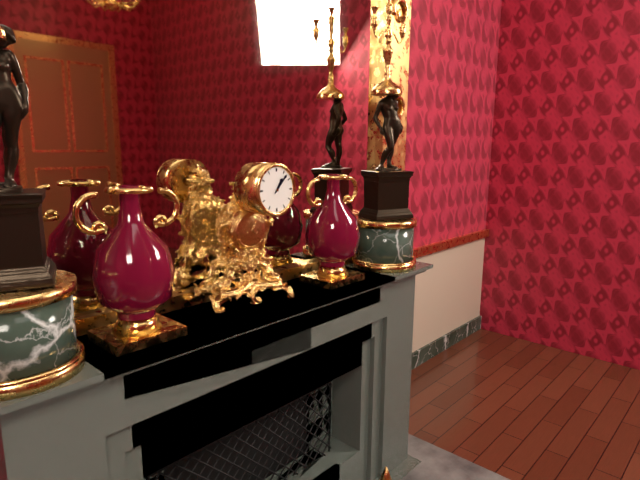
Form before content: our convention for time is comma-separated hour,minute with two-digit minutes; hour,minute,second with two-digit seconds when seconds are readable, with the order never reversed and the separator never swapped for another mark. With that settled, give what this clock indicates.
1,07
